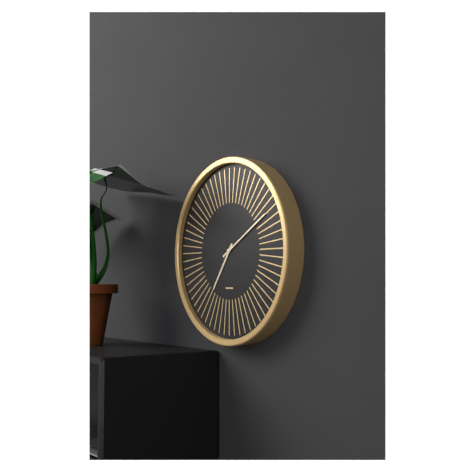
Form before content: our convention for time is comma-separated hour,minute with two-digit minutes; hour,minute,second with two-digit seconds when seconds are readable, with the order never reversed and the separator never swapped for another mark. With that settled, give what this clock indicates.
7,10
